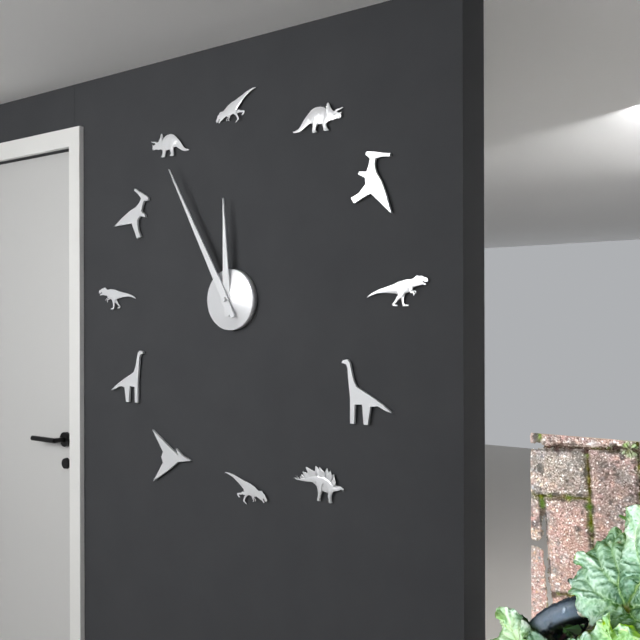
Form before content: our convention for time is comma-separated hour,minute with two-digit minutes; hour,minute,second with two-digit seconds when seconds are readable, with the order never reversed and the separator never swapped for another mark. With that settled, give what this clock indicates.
11,55
